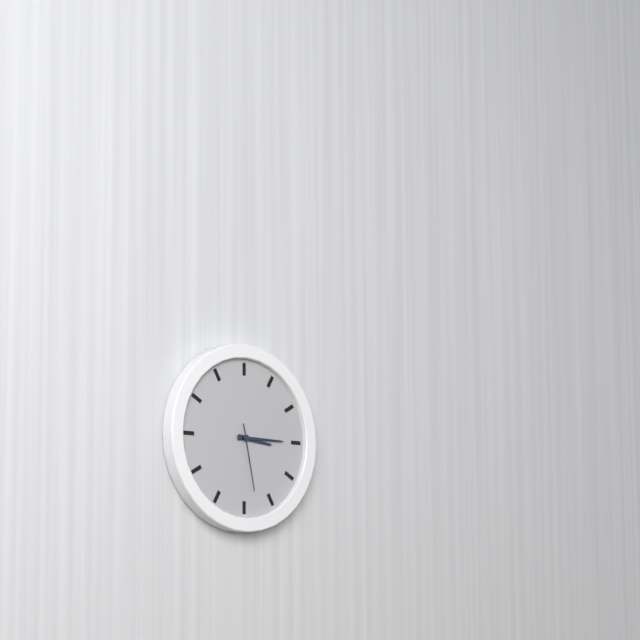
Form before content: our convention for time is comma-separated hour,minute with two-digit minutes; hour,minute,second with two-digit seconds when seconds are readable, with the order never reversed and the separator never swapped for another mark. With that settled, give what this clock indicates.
3,15,28
